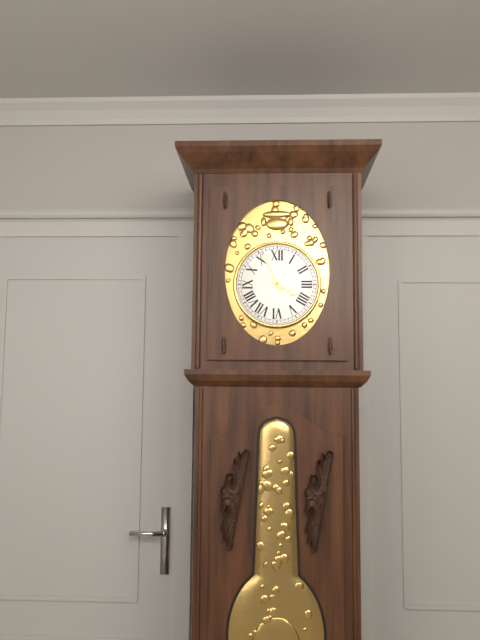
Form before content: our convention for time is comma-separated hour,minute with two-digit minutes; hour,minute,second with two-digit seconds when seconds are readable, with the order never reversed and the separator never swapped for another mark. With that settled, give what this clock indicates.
3,56
